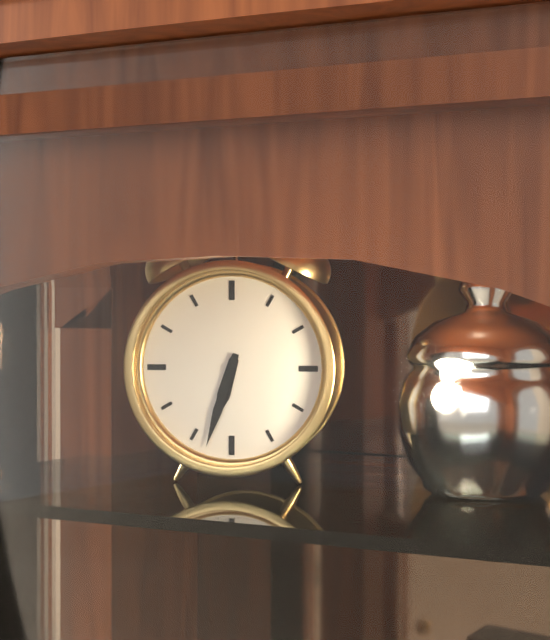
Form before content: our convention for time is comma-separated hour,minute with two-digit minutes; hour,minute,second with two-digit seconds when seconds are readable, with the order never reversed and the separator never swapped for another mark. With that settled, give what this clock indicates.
6,33
